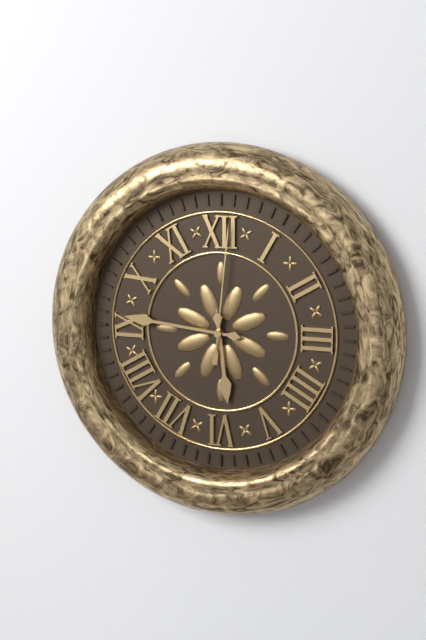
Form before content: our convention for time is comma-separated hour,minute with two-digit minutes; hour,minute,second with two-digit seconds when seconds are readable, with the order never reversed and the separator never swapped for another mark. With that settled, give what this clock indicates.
5,46,01
